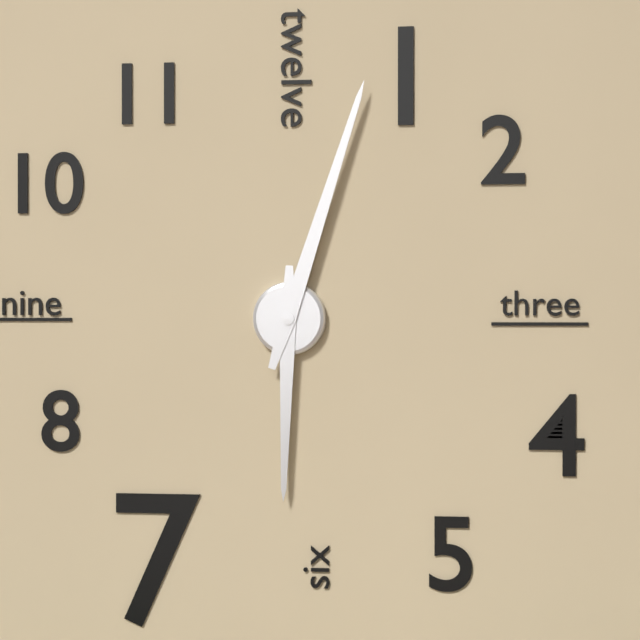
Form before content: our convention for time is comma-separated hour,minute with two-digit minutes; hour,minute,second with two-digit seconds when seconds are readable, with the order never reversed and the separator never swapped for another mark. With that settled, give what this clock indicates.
6,03
